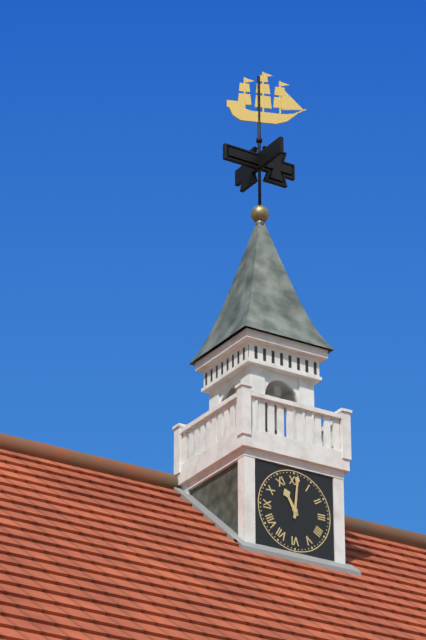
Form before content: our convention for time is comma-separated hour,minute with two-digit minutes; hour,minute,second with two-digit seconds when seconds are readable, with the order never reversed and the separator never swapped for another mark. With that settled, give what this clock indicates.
11,01
